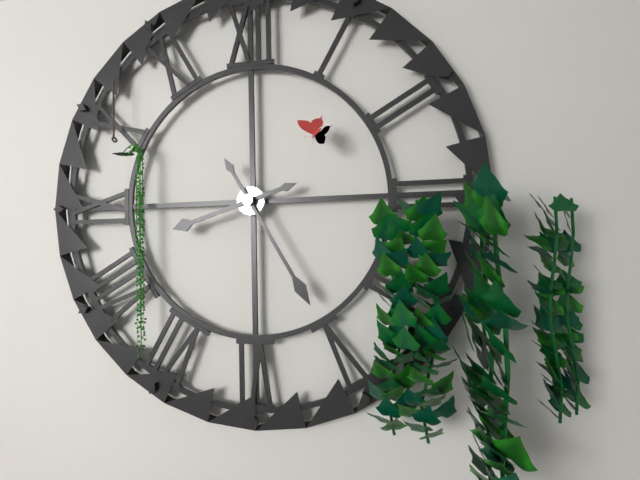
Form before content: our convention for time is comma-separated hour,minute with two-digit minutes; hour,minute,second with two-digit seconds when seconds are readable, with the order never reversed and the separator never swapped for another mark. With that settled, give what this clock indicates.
8,25
